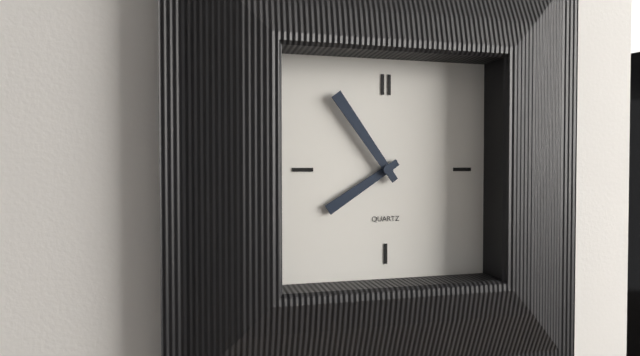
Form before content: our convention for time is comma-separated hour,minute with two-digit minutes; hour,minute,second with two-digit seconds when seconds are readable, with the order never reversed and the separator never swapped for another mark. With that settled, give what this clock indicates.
7,54
